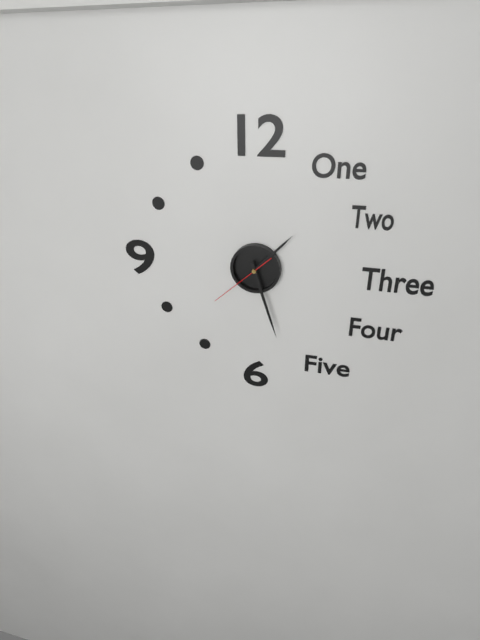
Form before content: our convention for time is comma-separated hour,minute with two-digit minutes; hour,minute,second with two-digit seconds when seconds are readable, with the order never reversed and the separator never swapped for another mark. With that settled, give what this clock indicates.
1,27,38
